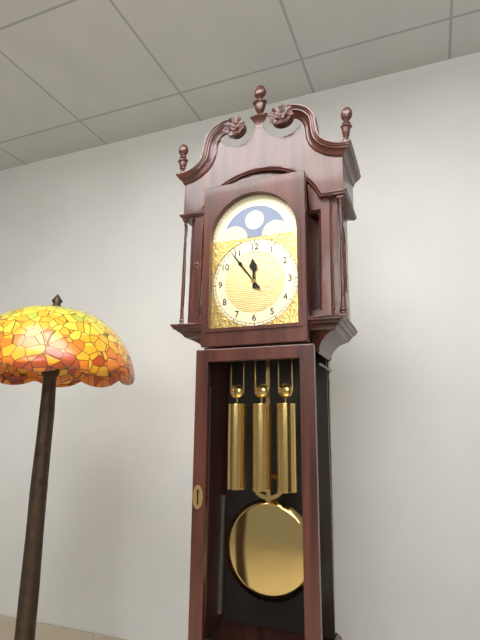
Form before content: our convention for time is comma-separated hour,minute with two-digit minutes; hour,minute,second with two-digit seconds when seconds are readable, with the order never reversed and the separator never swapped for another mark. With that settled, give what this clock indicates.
11,54
